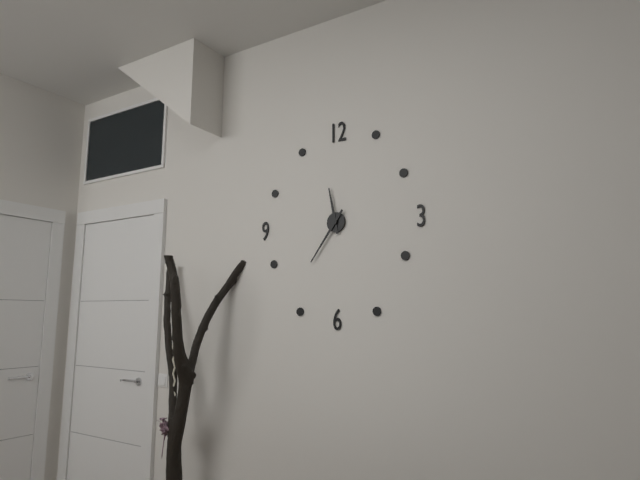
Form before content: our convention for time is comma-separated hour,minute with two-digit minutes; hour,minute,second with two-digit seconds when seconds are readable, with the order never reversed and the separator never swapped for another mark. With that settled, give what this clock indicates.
11,36
